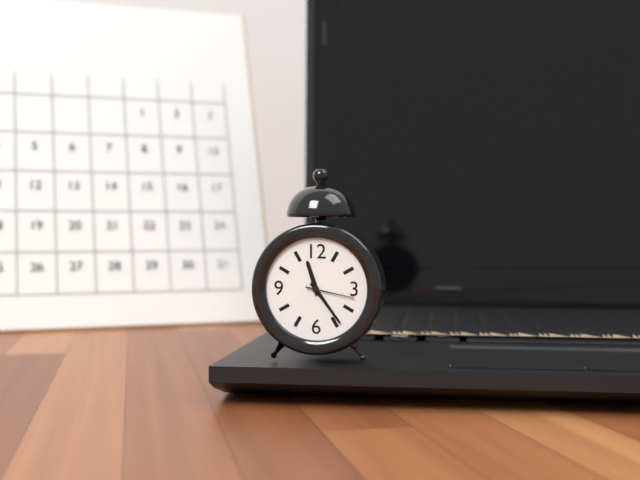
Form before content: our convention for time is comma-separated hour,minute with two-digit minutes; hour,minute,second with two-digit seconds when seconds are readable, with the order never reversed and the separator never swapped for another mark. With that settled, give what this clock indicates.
11,24
